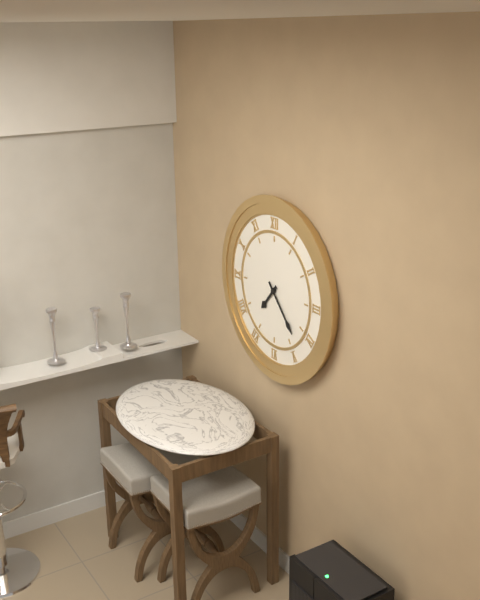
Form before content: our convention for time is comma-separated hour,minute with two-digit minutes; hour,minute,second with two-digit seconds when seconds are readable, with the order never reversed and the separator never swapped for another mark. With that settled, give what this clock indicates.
7,23
